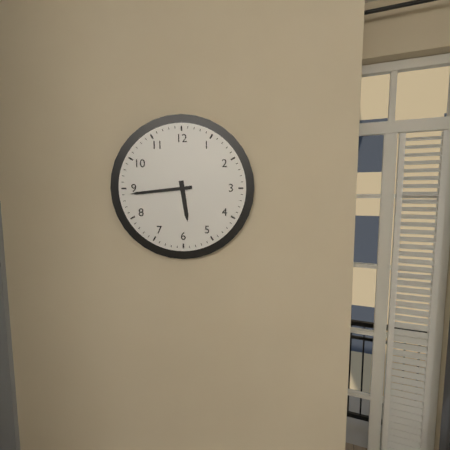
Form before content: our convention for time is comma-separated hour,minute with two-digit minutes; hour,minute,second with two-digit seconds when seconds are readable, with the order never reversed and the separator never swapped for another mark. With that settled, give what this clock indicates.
5,44
